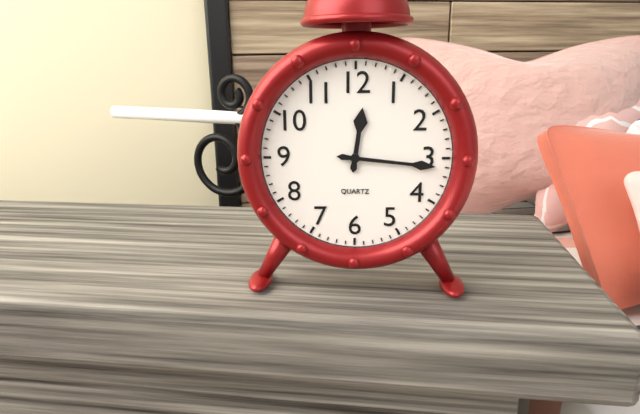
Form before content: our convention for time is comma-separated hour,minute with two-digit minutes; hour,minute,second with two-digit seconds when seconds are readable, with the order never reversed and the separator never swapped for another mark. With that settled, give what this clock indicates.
12,16
